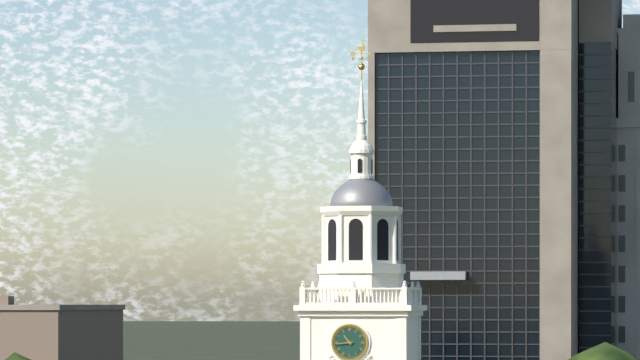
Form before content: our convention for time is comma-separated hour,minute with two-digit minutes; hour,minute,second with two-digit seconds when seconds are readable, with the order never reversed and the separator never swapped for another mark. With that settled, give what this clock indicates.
10,44
